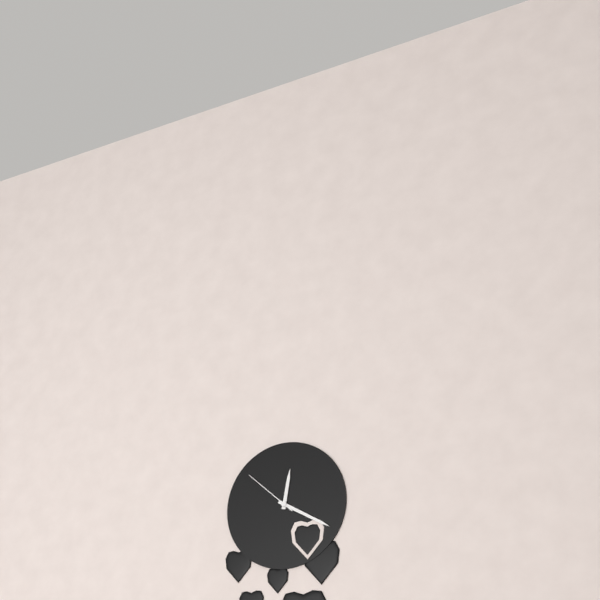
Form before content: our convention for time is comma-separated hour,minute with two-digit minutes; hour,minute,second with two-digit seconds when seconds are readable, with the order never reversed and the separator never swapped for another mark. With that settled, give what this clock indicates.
12,20,52
